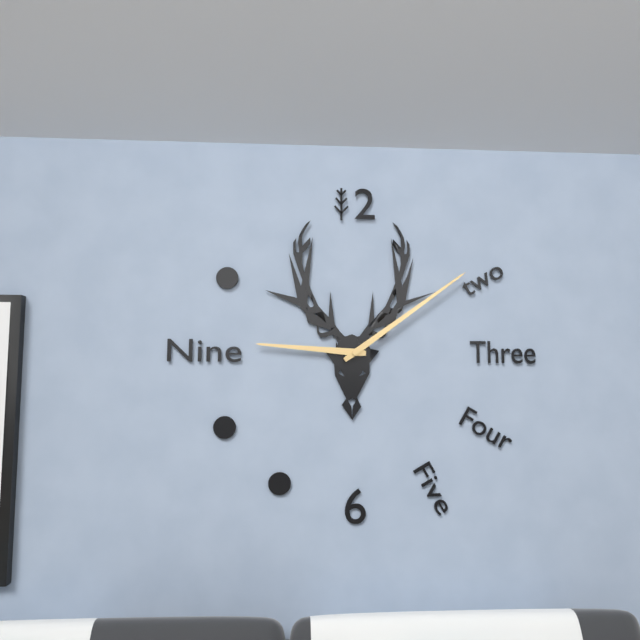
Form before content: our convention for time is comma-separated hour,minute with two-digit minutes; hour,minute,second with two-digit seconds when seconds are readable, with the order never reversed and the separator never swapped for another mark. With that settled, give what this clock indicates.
9,09
